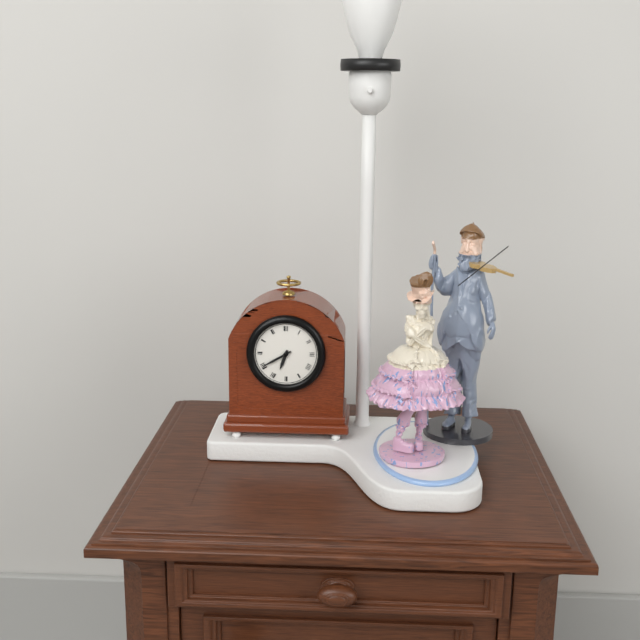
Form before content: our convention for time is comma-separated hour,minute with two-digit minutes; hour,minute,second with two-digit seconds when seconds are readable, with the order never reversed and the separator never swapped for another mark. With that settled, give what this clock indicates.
6,40
